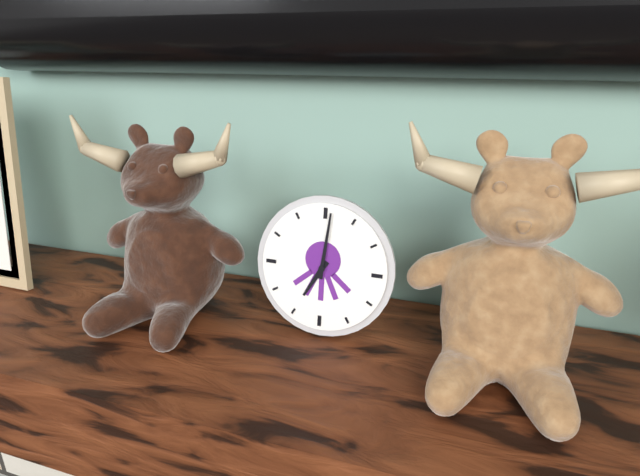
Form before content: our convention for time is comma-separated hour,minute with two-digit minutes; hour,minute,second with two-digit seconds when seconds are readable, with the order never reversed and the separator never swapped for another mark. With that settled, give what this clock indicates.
7,01
